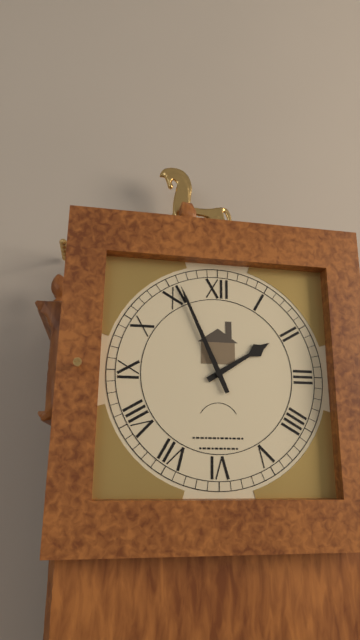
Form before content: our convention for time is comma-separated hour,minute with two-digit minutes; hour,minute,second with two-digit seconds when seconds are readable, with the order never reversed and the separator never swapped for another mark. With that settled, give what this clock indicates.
1,56
